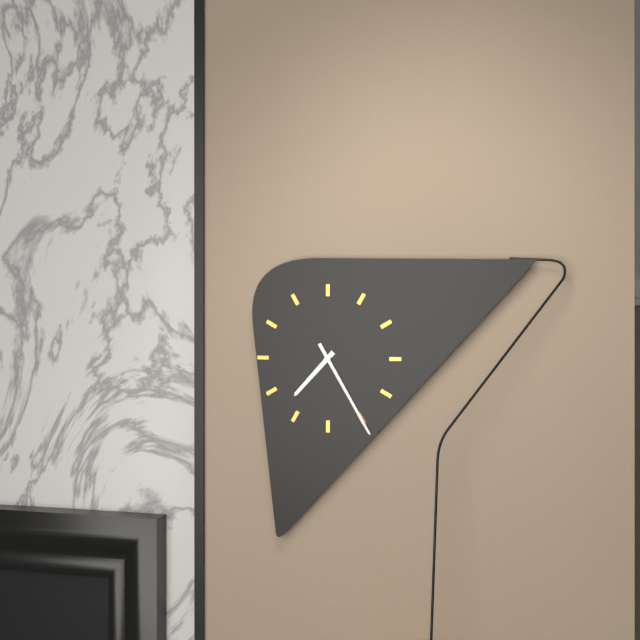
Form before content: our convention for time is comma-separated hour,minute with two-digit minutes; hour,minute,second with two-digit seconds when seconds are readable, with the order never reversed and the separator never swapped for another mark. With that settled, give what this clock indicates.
7,25
